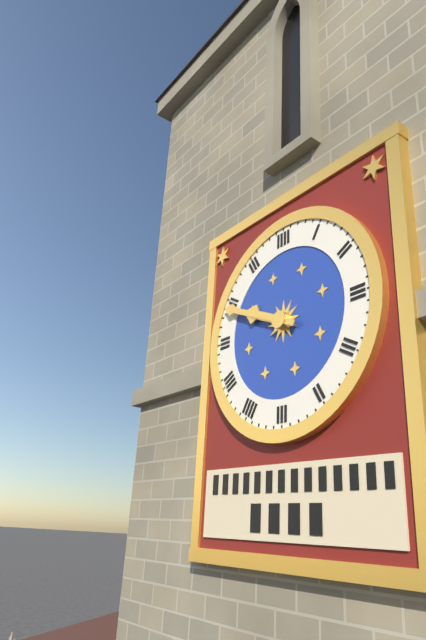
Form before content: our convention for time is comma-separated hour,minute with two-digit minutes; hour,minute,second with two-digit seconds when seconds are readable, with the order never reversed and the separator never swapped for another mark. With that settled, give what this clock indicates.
9,49
